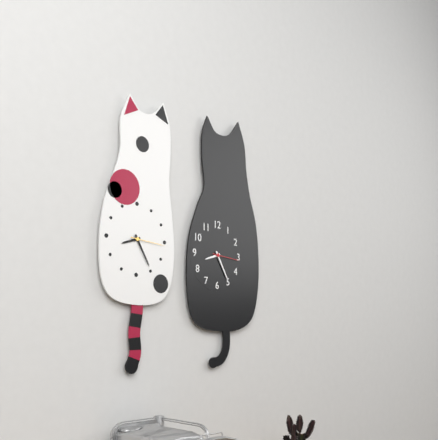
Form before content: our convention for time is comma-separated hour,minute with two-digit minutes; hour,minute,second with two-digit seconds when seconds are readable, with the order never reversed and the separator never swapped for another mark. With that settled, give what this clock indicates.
8,25
